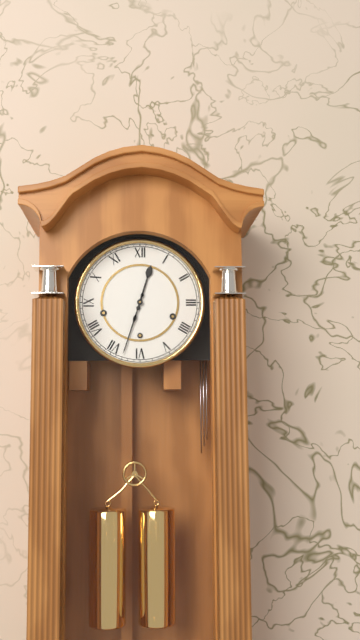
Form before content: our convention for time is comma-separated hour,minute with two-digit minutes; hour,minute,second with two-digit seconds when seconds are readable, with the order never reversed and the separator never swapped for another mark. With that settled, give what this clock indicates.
12,33
